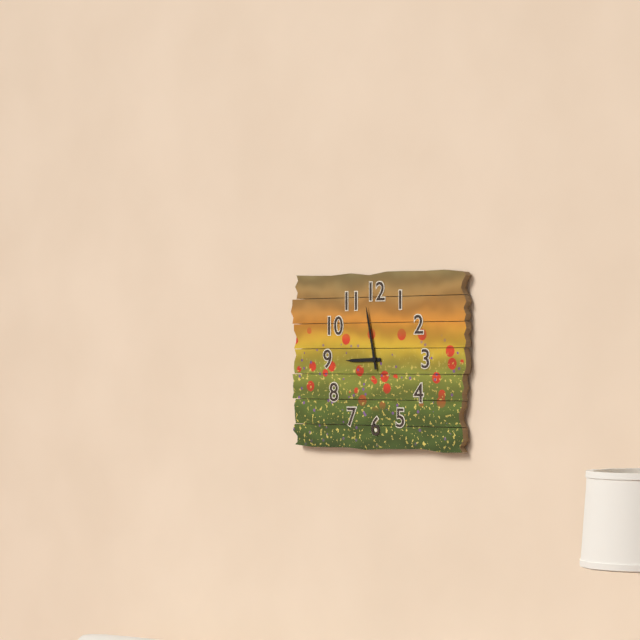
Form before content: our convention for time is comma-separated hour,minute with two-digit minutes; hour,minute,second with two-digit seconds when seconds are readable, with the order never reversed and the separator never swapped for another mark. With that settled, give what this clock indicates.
8,58
